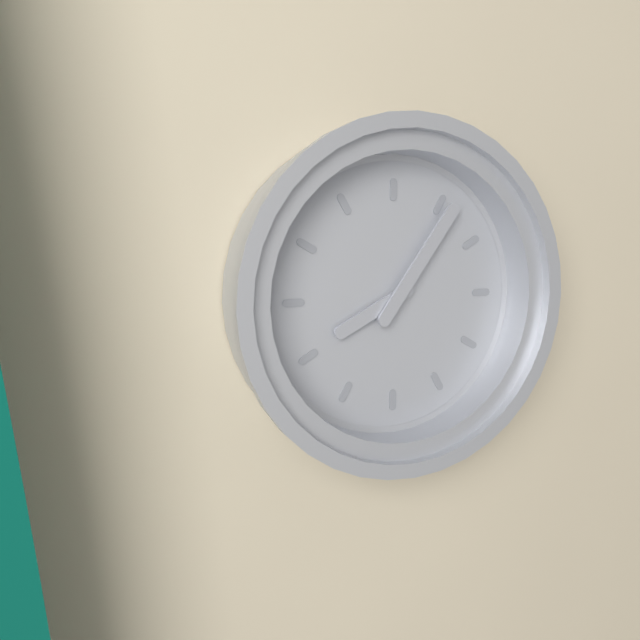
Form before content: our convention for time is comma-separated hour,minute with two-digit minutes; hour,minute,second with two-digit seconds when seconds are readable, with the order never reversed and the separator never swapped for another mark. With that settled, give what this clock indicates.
8,06
